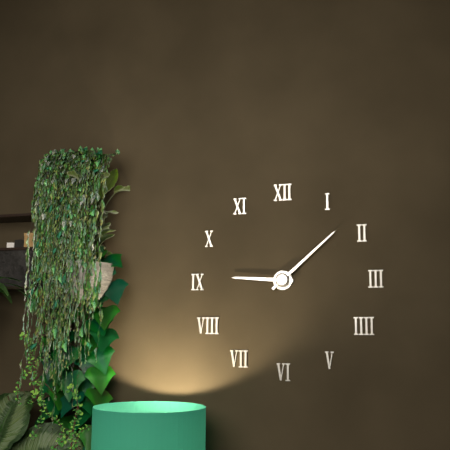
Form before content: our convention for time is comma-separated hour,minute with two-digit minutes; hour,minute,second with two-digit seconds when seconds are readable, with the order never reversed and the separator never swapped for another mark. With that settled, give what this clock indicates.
9,08
